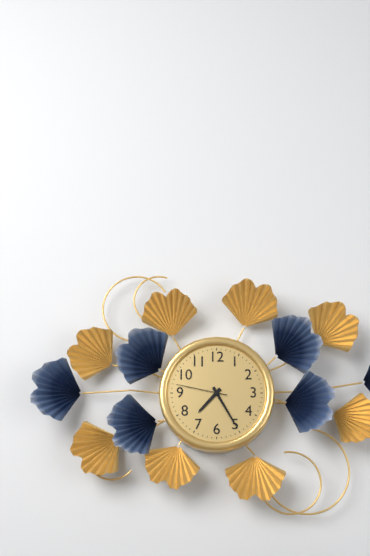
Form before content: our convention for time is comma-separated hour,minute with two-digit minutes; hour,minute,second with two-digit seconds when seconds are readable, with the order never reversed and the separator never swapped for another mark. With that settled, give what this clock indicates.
7,25,47
